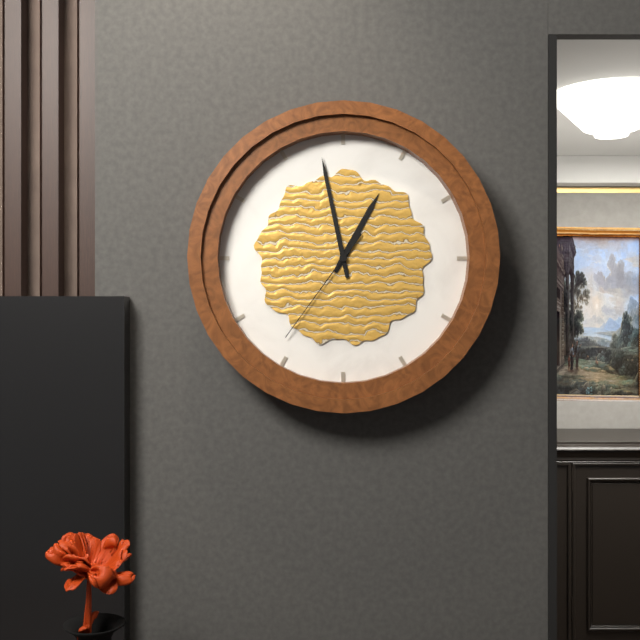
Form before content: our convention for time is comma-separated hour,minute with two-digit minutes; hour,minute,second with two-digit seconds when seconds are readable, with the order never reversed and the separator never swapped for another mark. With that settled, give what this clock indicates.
12,58,36
